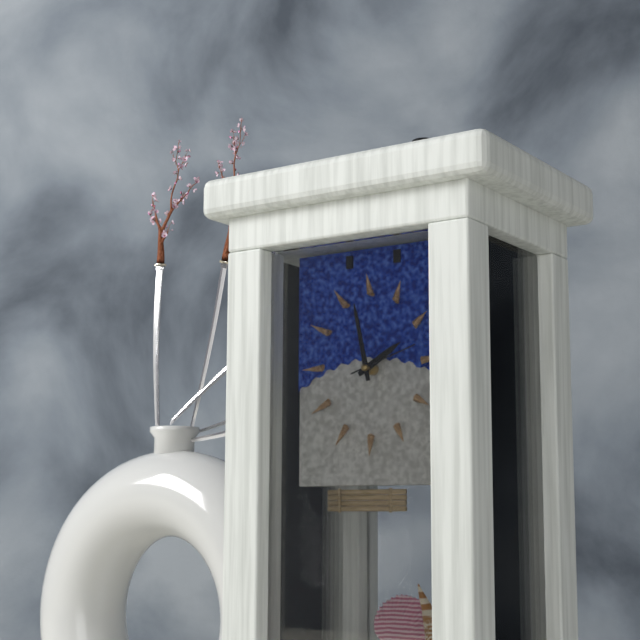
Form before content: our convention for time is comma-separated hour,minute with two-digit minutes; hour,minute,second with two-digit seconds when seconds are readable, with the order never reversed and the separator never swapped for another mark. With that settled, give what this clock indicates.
1,58,12
